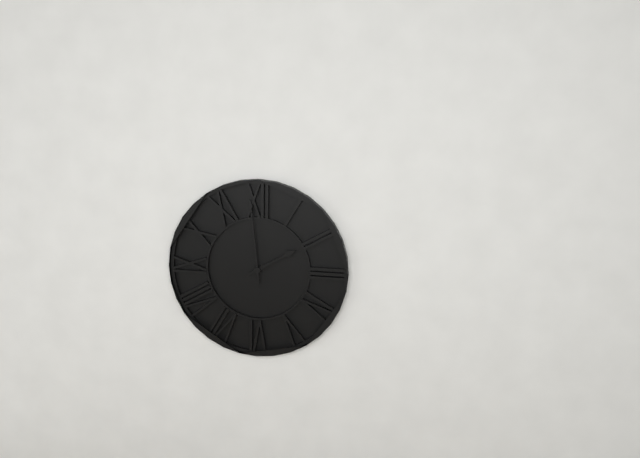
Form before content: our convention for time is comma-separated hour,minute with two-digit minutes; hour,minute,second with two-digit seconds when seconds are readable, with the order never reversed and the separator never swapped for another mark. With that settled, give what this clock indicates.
1,59
